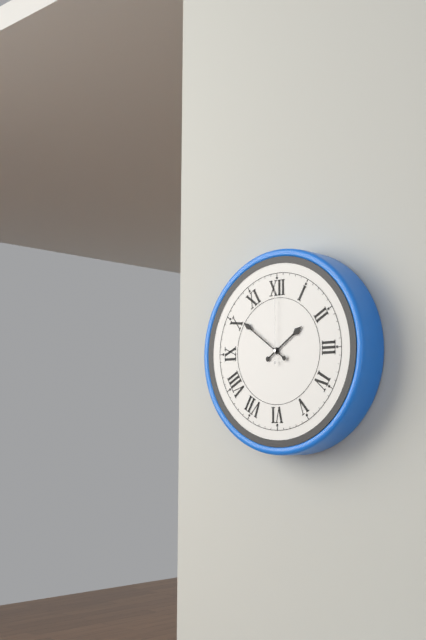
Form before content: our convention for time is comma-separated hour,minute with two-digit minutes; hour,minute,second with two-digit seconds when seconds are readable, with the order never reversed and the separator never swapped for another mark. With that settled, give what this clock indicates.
1,51,00
